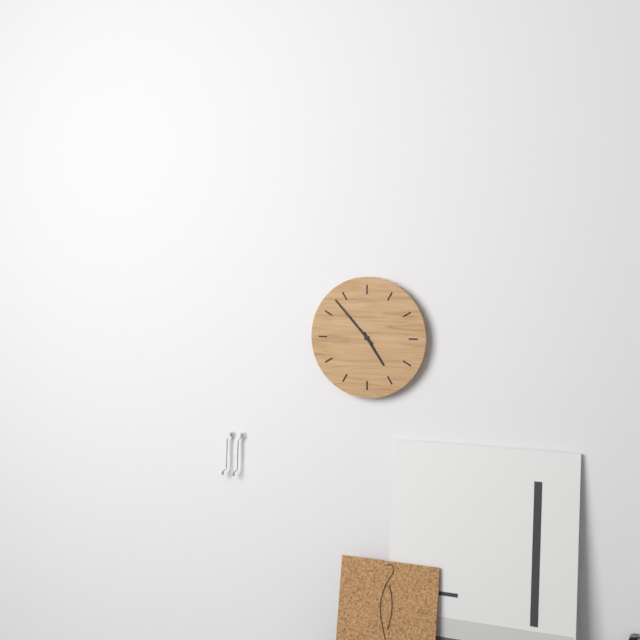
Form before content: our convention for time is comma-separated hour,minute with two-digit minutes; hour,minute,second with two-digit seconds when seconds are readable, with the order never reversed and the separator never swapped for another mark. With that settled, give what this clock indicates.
4,53
